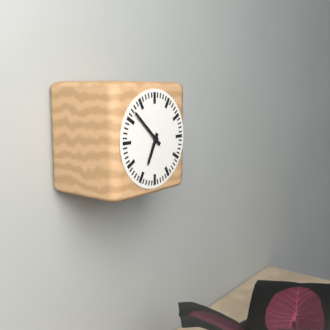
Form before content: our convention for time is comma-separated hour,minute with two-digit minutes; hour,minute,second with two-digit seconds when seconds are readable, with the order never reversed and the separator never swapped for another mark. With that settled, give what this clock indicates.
6,52
